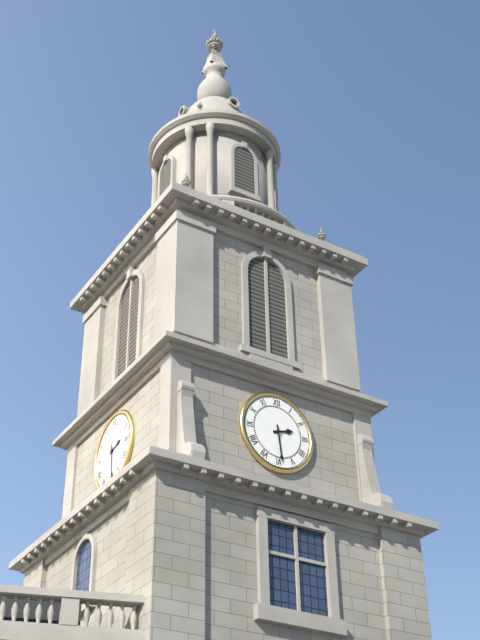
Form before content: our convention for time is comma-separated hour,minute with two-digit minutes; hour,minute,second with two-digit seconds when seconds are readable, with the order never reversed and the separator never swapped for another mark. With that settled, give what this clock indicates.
2,29
